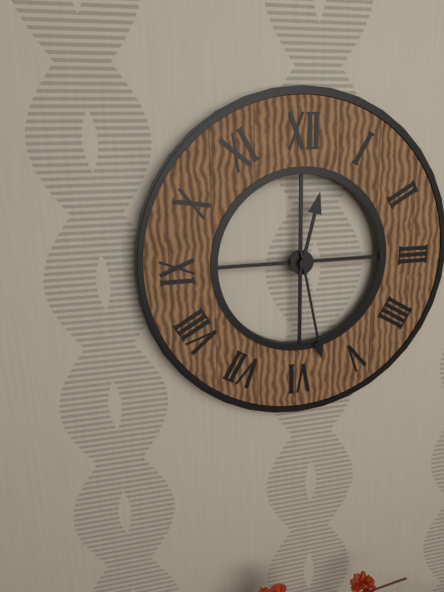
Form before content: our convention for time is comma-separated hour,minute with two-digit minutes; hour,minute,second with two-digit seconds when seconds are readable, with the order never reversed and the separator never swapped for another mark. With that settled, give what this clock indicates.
12,28
